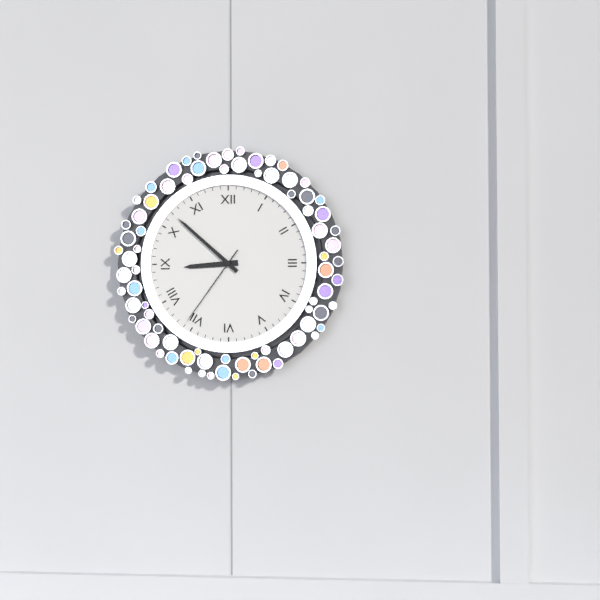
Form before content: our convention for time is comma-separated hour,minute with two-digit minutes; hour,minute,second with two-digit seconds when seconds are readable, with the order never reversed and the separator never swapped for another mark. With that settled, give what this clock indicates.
8,52,36
